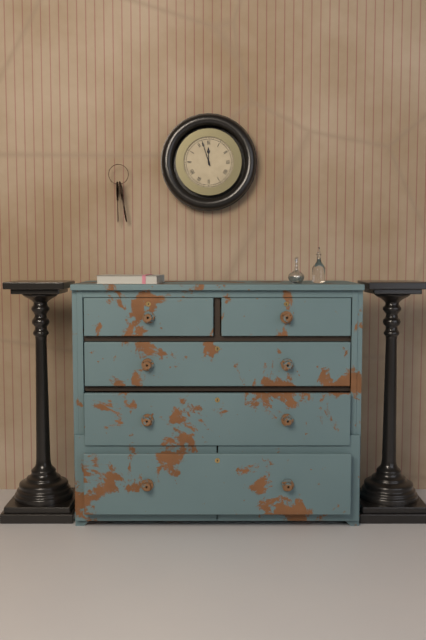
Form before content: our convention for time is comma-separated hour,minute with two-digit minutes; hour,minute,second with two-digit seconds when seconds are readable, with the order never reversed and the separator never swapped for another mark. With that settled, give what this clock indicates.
11,57
